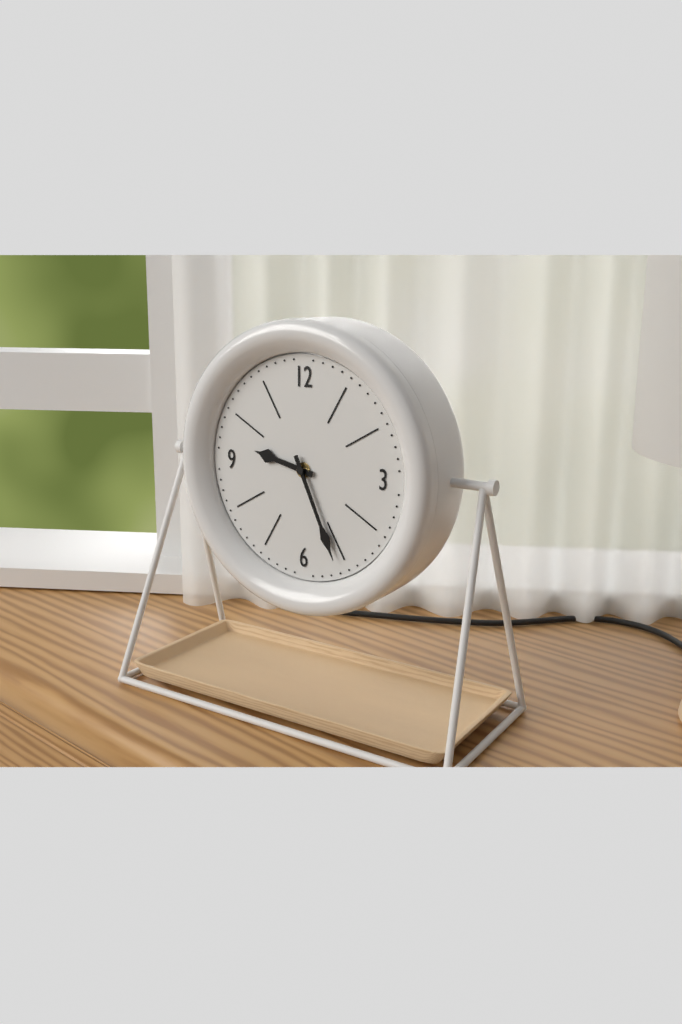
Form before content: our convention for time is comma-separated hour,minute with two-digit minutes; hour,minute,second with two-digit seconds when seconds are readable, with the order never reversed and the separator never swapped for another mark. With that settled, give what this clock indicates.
9,26
